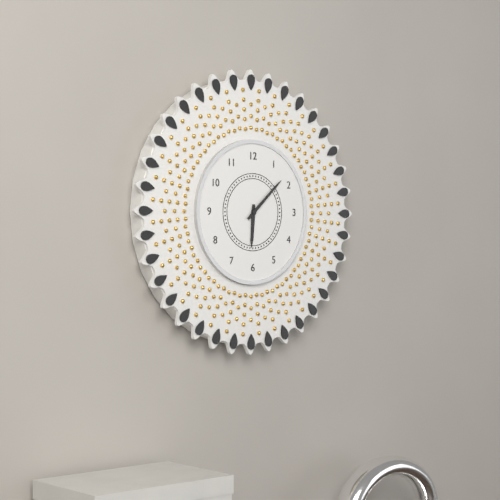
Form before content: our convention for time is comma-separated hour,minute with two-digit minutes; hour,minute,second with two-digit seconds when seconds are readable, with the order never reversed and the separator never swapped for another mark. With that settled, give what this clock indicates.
6,08
